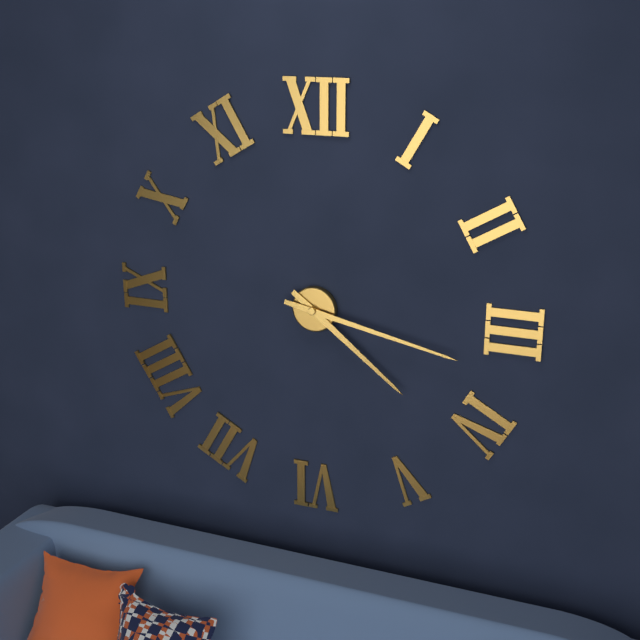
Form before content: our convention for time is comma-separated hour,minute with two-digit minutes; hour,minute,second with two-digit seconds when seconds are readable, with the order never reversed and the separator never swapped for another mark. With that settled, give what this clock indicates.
4,17
